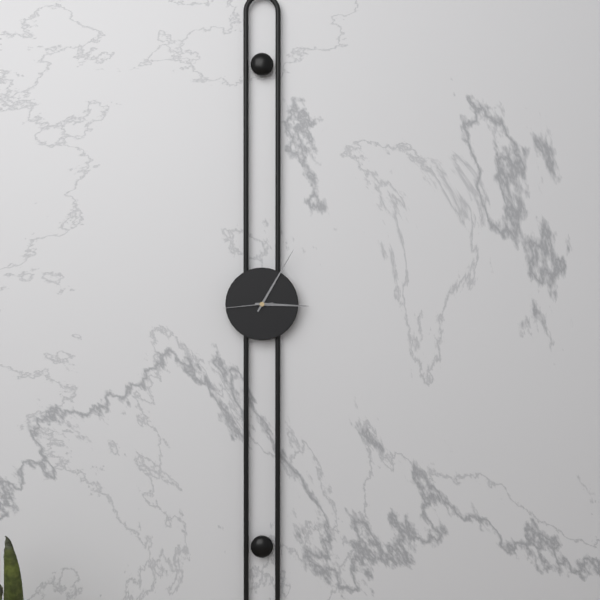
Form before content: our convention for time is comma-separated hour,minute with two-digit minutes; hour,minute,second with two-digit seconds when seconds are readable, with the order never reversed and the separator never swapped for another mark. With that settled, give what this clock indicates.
3,05,44
